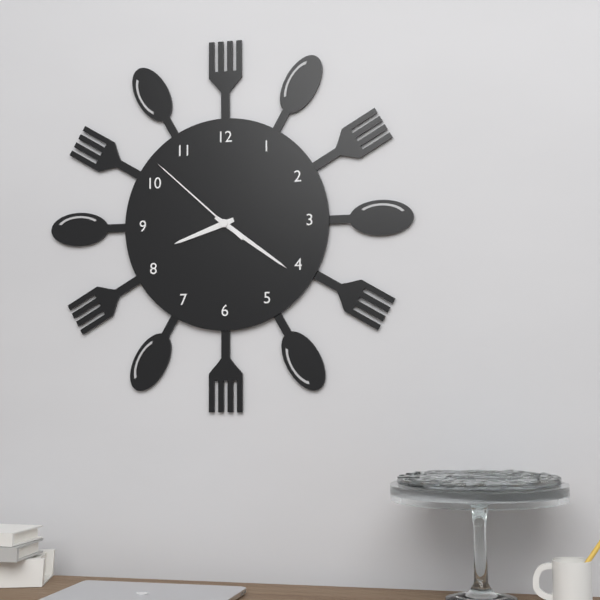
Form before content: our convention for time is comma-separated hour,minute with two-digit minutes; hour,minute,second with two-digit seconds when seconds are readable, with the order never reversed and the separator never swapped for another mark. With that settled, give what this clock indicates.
8,21,52
